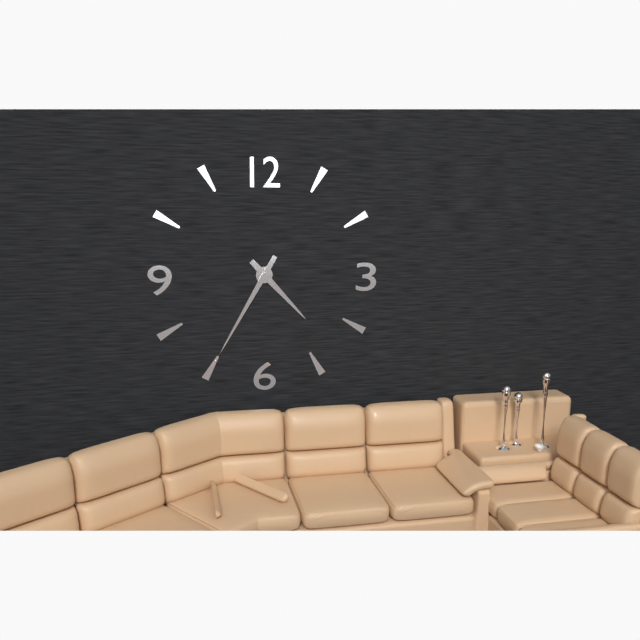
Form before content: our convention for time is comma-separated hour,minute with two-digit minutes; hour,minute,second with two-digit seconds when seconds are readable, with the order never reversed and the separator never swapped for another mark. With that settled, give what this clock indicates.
4,35
